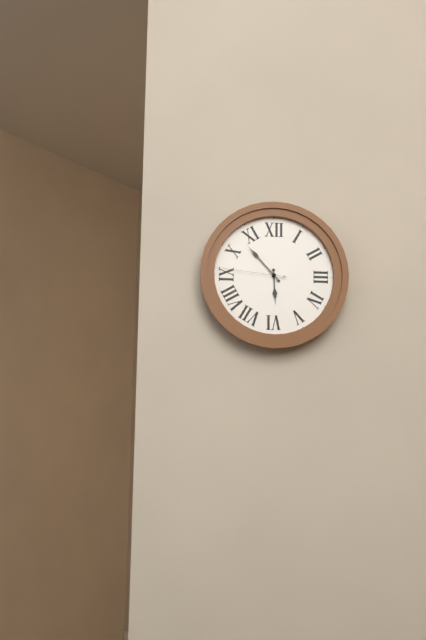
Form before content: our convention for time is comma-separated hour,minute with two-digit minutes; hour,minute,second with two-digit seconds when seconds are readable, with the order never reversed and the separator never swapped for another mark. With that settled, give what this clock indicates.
5,53,46
